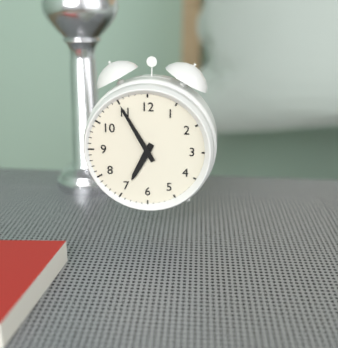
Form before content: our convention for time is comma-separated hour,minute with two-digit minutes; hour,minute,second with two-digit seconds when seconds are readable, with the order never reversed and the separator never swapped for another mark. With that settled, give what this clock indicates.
6,55
